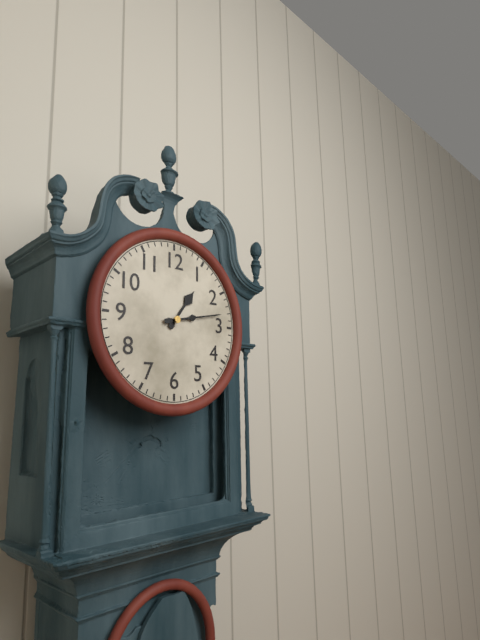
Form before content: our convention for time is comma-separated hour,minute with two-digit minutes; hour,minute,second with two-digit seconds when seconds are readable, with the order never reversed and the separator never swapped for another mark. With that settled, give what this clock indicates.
1,13
